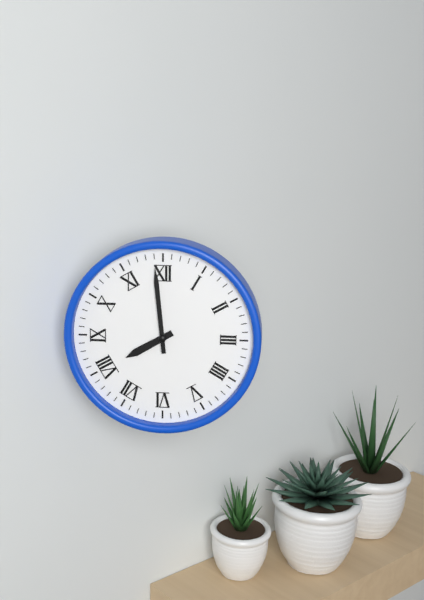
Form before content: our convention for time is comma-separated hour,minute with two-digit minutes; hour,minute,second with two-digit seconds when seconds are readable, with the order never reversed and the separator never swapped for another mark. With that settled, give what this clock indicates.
7,59
